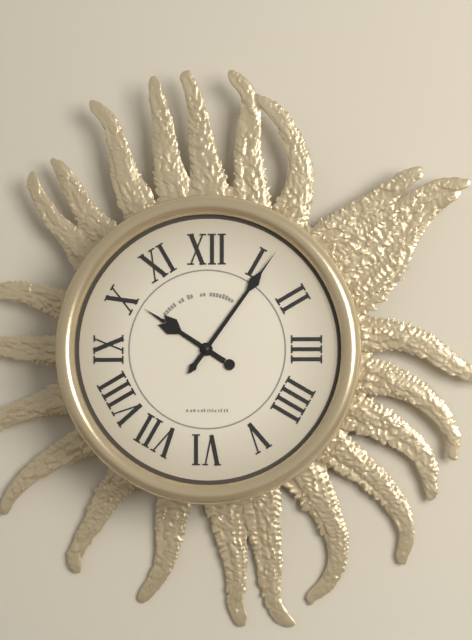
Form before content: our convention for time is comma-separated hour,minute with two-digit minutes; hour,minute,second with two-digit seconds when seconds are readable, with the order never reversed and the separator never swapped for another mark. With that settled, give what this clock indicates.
10,06
